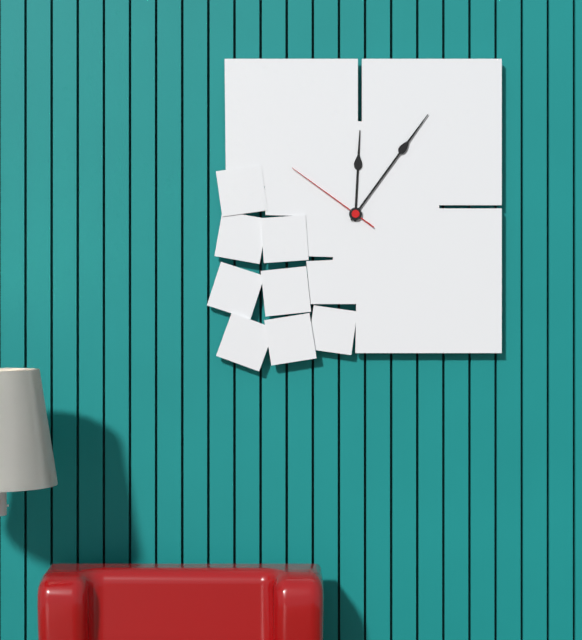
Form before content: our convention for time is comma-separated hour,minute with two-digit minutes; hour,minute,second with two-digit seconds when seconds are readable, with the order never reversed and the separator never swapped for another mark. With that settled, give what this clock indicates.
12,06,51
